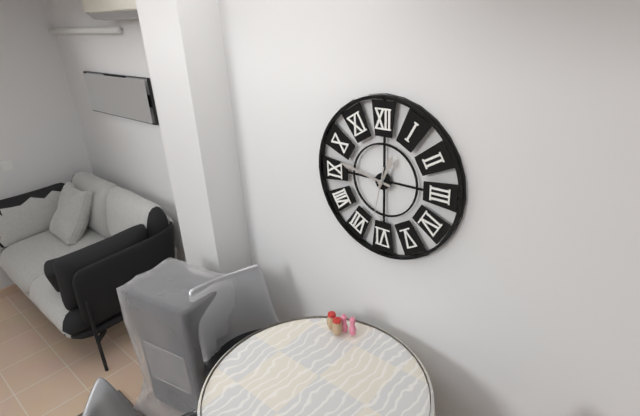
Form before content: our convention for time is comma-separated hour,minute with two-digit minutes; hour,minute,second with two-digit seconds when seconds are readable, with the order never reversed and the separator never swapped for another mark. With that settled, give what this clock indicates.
12,47,32
